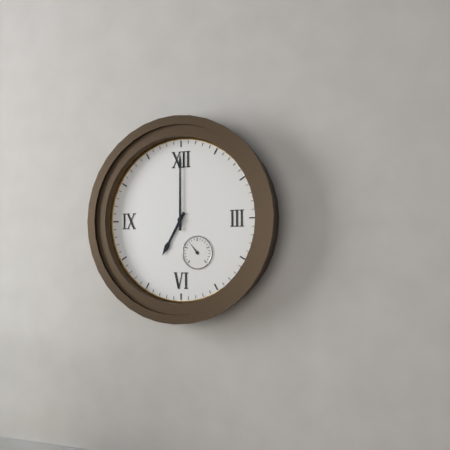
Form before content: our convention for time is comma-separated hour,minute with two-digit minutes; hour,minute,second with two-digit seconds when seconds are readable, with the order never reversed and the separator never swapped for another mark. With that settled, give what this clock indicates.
7,00
